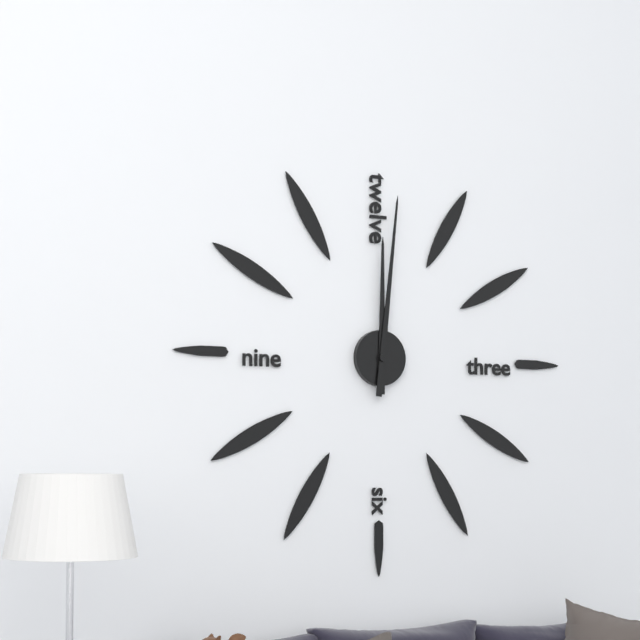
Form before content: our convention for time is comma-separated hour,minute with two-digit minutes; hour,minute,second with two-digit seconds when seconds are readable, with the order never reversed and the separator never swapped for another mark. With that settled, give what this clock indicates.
12,01
